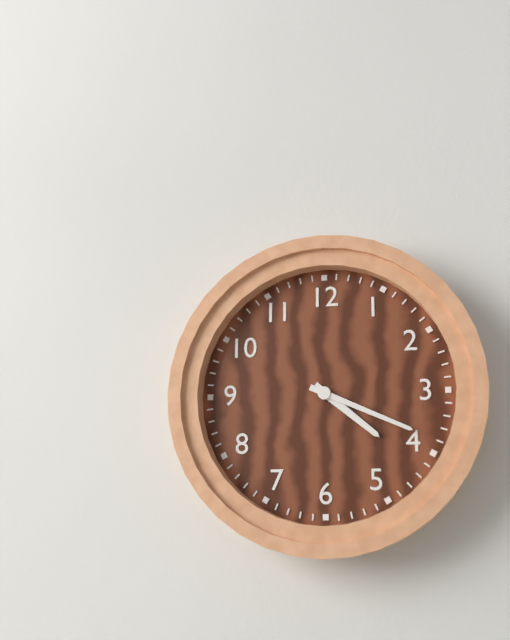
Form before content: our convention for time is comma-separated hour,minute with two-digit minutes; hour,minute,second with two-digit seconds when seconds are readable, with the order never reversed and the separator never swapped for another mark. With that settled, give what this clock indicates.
4,19
